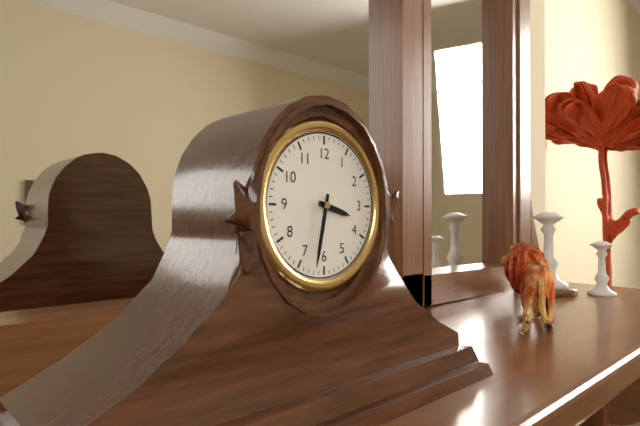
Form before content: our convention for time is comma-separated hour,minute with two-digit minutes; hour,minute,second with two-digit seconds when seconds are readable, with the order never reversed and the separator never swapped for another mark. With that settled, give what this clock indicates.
3,32
